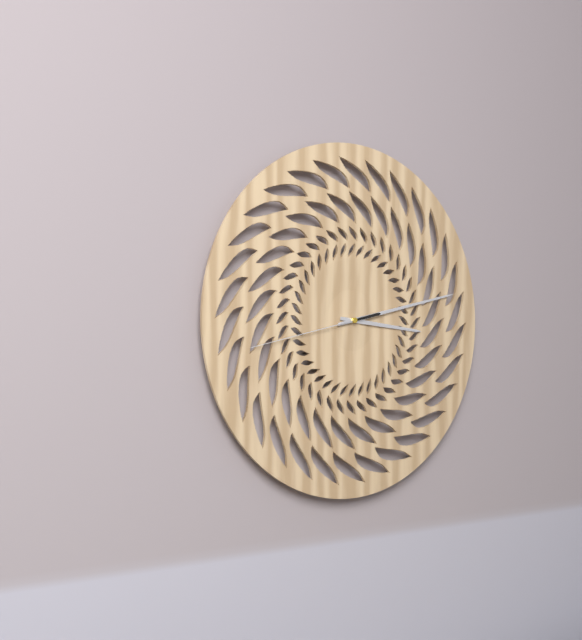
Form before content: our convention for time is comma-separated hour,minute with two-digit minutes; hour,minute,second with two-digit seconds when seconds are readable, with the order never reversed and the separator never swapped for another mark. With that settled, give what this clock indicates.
3,13,43
